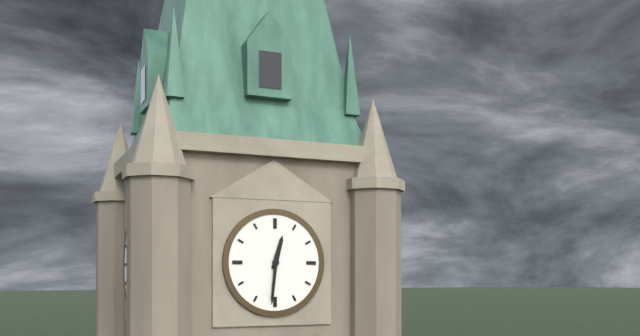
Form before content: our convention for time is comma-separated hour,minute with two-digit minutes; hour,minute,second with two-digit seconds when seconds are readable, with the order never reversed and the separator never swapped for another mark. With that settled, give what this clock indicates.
12,31
